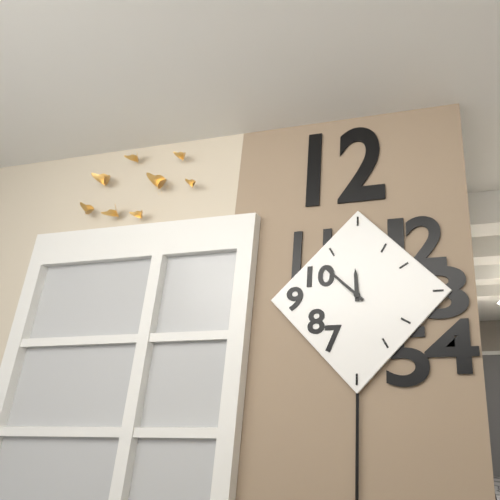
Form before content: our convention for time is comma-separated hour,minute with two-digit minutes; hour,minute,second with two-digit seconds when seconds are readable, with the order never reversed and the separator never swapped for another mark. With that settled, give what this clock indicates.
11,52
